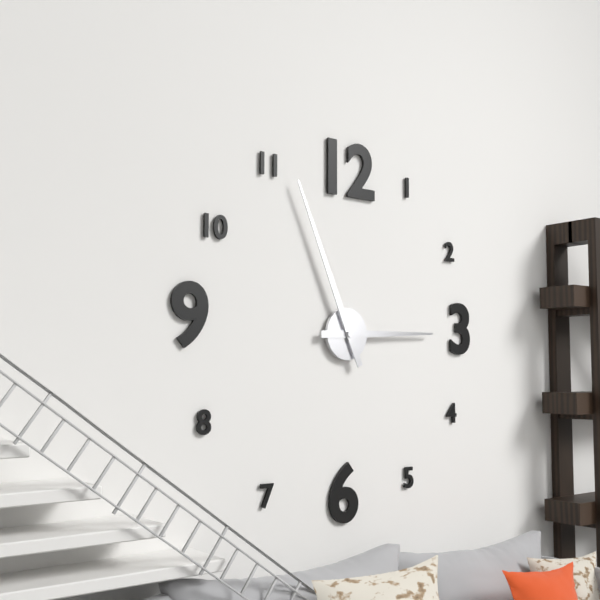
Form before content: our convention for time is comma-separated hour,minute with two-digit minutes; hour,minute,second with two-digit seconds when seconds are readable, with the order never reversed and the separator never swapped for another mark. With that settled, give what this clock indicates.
2,56
